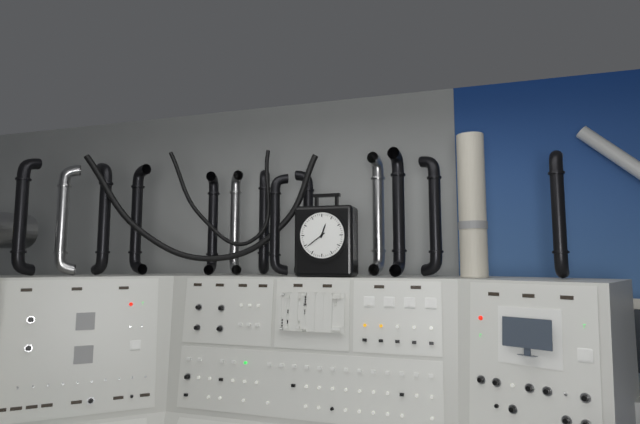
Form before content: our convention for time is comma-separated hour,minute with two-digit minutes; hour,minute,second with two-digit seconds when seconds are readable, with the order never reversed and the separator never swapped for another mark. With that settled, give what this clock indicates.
12,39
